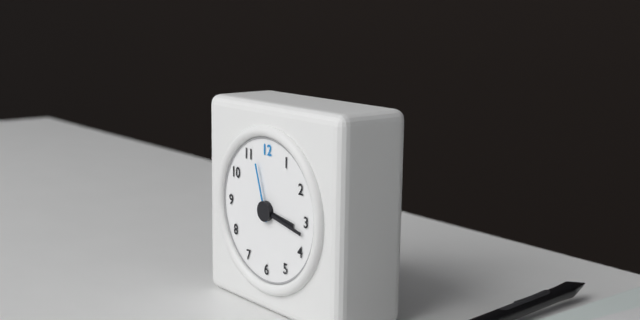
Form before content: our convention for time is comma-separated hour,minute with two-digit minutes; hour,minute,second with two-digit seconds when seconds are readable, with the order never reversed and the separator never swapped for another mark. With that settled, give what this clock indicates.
3,17,57
